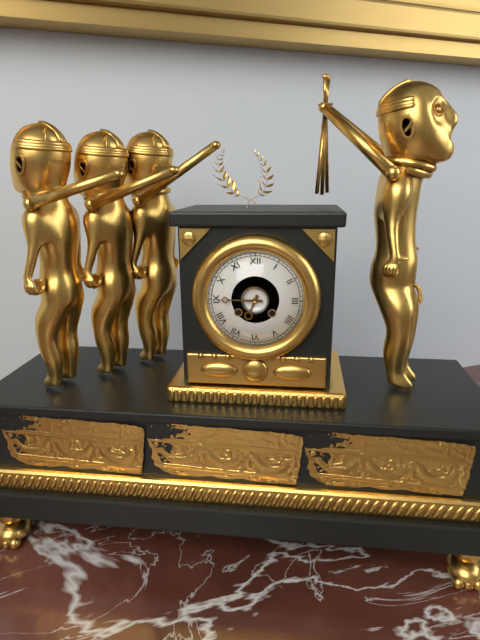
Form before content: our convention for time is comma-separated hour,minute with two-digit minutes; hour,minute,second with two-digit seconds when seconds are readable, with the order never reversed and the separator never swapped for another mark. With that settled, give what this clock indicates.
6,45
